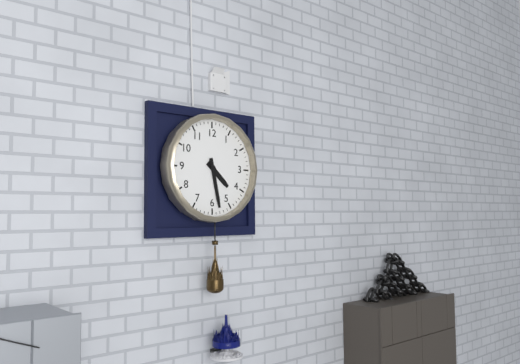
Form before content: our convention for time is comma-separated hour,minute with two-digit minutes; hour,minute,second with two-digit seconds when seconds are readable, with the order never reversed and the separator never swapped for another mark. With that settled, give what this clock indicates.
4,28
